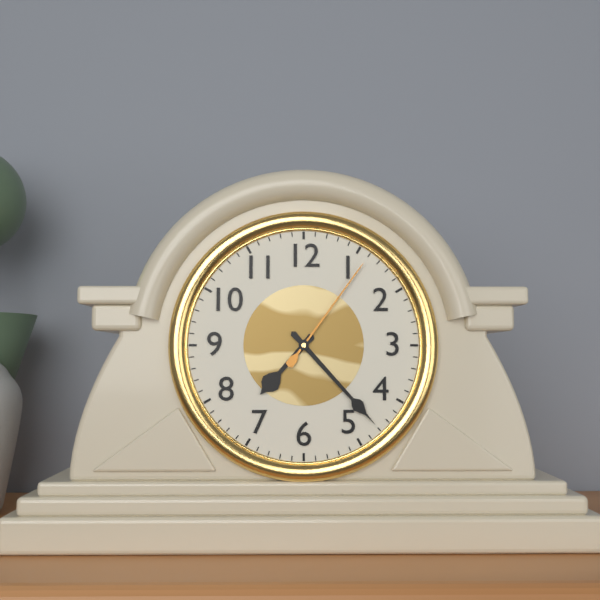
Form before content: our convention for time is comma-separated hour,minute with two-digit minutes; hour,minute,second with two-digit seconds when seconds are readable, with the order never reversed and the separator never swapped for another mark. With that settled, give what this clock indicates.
7,23,06
